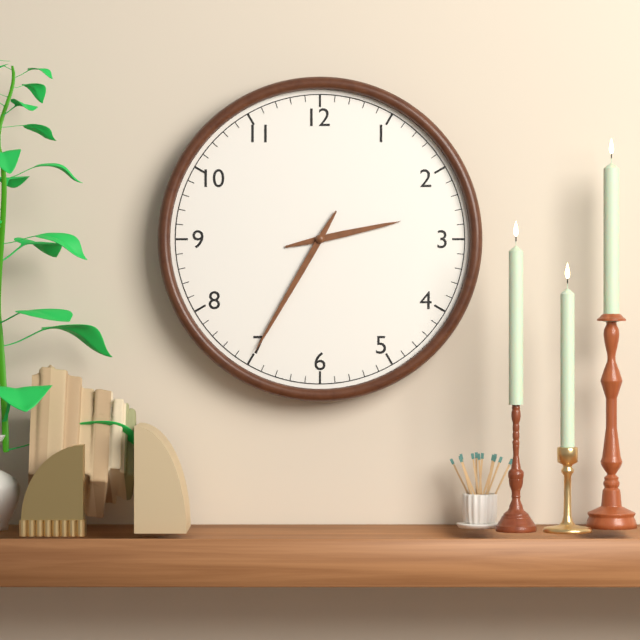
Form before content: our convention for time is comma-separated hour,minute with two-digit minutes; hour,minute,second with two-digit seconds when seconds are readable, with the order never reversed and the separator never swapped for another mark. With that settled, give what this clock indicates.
2,35
